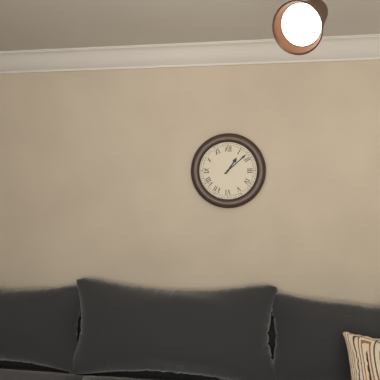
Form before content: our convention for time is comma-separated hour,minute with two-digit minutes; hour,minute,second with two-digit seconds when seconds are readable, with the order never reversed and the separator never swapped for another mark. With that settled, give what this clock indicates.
1,08
